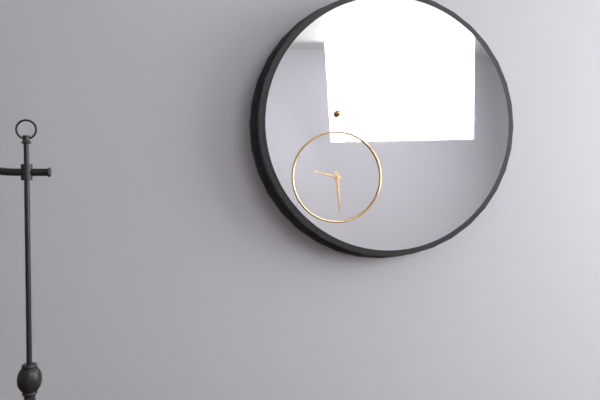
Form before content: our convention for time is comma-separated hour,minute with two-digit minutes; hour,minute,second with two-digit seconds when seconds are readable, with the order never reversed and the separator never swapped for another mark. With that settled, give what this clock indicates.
9,29
